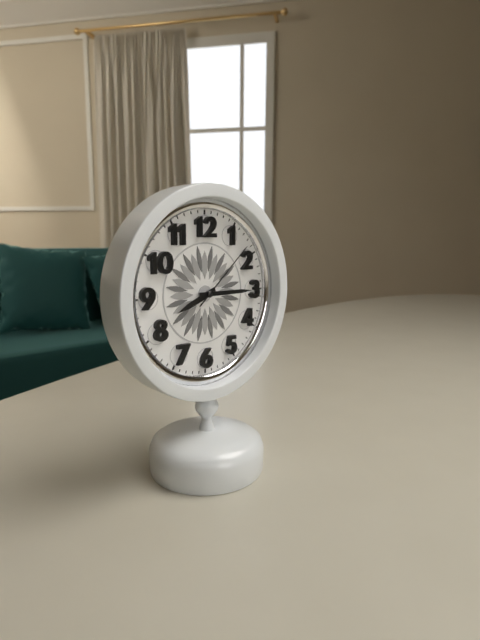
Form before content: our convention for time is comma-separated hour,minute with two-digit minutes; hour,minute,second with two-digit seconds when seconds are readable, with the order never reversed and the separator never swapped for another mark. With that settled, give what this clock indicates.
8,15,08
